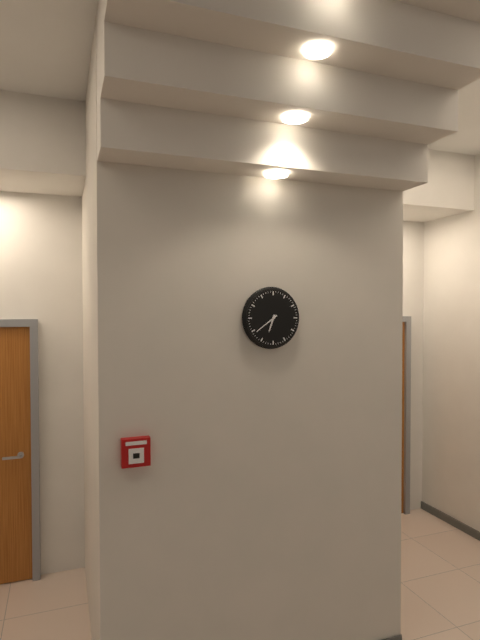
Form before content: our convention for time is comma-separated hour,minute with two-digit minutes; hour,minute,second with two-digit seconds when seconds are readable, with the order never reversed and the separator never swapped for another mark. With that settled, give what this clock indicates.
6,39
